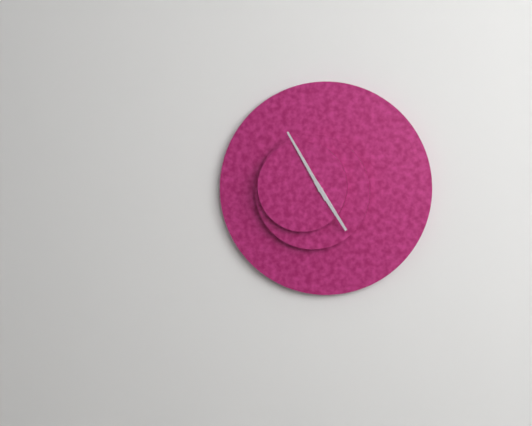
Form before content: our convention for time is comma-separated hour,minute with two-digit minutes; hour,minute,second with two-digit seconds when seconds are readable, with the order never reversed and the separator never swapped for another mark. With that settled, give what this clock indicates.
4,55
